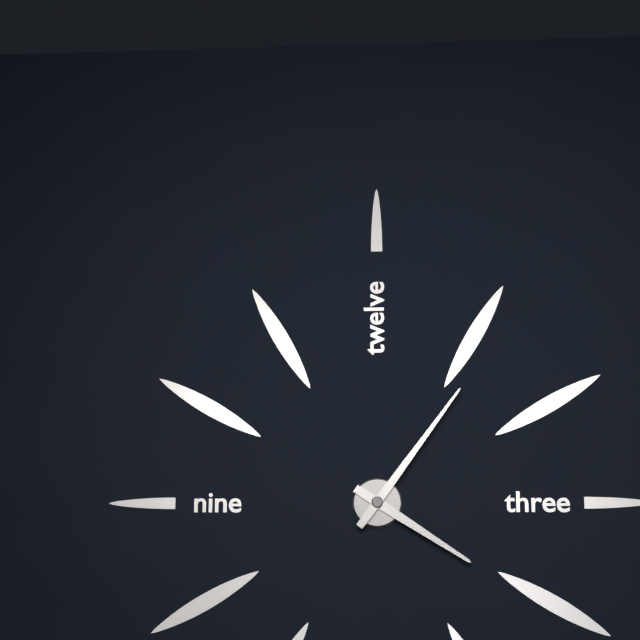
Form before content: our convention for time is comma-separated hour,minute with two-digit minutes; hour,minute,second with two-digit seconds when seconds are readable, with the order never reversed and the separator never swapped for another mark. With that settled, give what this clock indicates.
4,06
